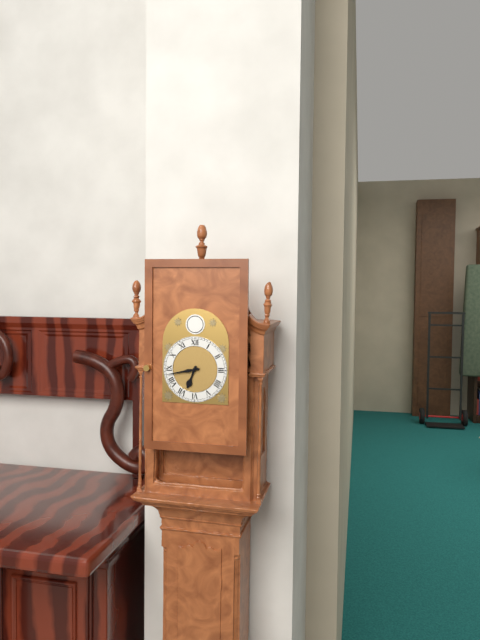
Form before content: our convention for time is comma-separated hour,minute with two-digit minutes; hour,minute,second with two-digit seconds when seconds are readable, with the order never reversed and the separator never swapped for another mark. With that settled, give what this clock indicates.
6,43
